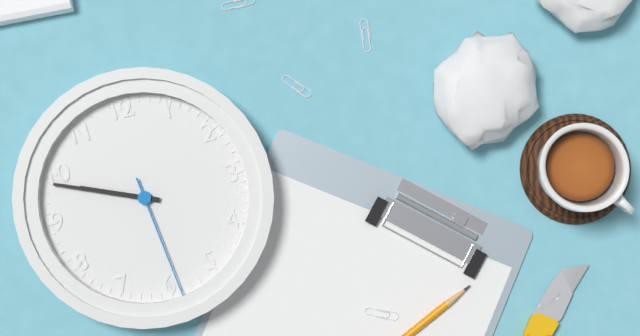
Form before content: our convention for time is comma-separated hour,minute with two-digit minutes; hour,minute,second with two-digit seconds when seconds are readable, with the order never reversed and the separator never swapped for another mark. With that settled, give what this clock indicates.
9,49,29
